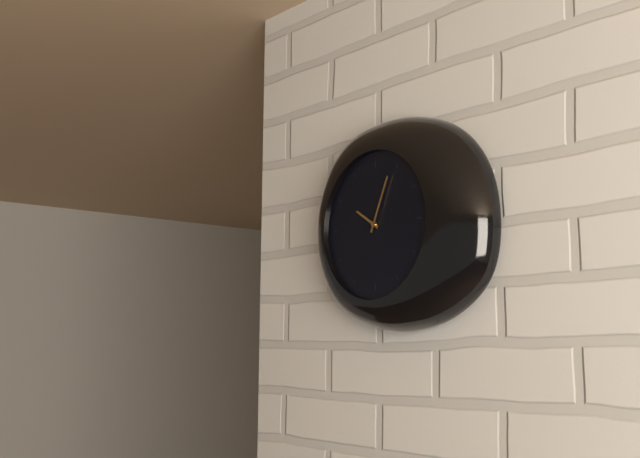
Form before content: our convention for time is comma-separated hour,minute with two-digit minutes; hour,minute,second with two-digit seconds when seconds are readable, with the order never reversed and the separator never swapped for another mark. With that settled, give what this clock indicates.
10,04
